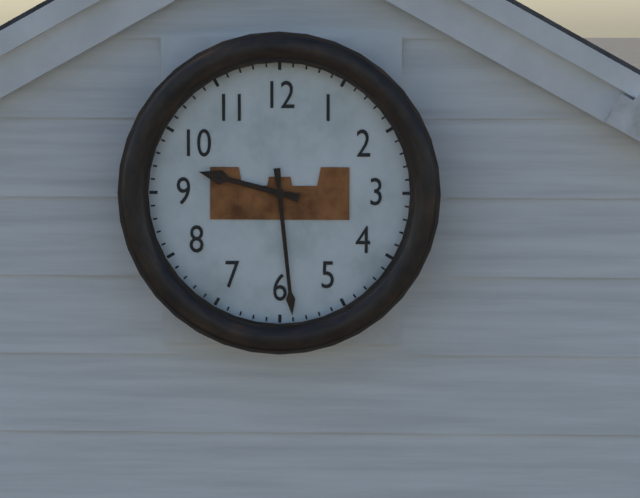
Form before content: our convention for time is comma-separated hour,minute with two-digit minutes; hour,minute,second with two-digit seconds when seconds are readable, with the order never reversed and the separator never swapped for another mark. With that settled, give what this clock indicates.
9,29
